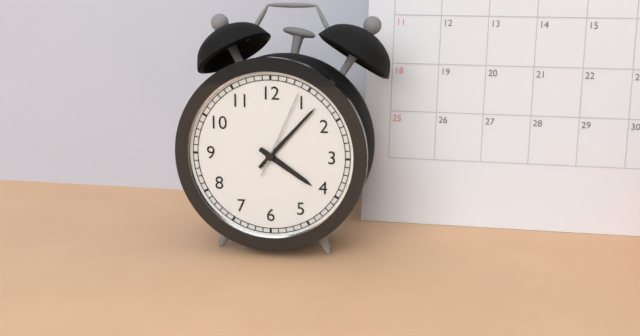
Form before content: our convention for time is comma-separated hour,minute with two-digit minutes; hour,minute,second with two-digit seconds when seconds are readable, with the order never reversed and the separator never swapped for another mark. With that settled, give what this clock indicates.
4,07,04
